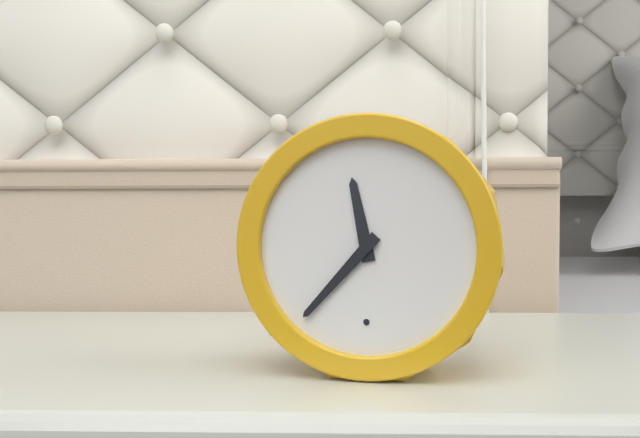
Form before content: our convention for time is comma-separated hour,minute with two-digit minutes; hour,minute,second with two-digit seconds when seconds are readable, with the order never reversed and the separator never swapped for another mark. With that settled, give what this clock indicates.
11,37
